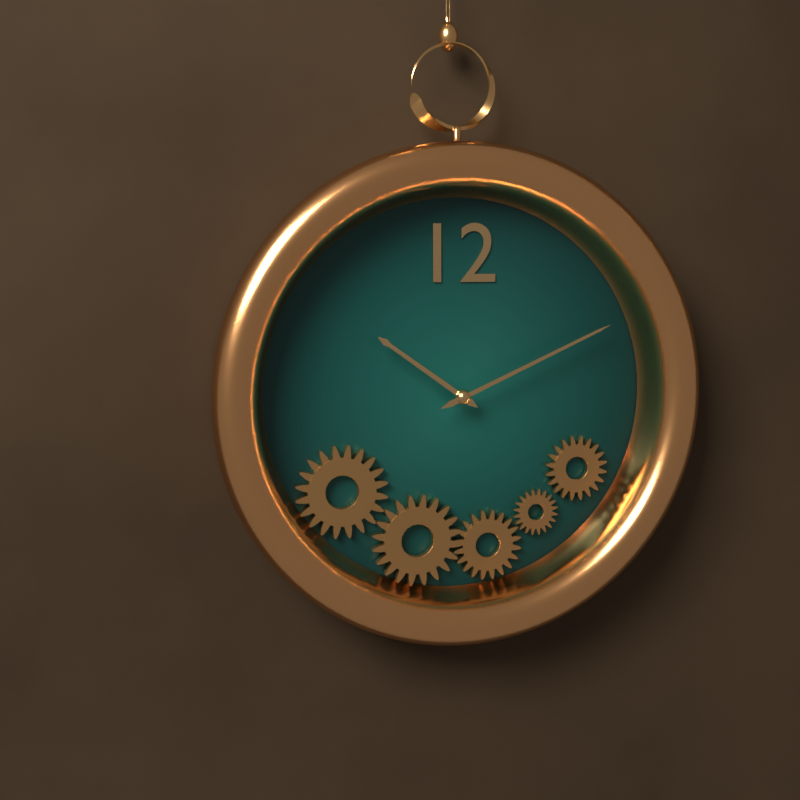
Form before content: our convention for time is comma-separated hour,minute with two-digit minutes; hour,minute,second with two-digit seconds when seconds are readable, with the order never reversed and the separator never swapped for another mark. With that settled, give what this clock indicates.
10,11
